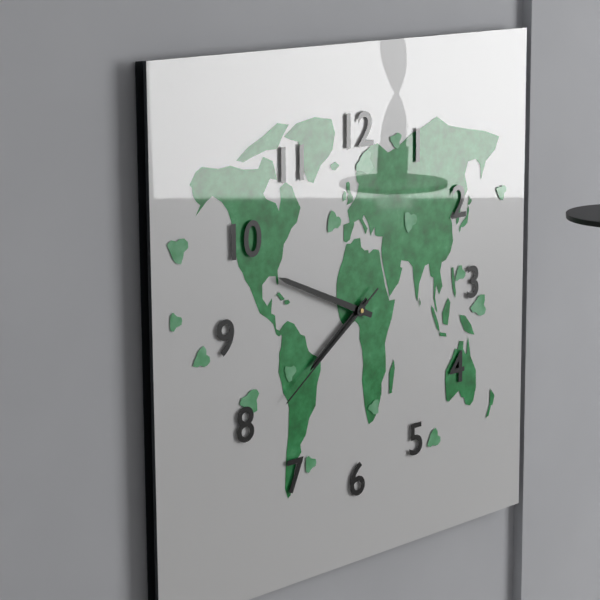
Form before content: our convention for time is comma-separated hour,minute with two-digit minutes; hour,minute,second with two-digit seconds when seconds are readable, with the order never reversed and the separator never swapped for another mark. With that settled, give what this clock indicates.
7,49,39
